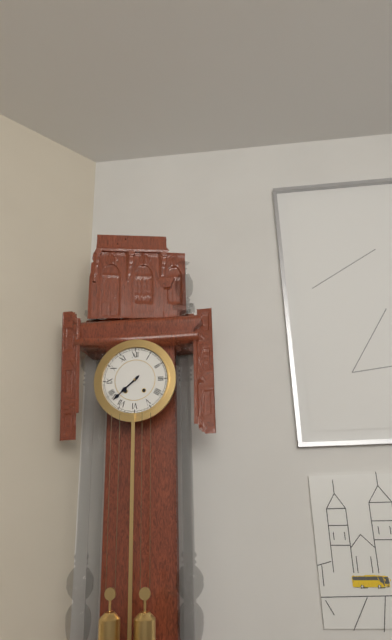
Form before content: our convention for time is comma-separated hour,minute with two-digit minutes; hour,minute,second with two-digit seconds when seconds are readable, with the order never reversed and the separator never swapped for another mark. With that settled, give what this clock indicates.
7,38
